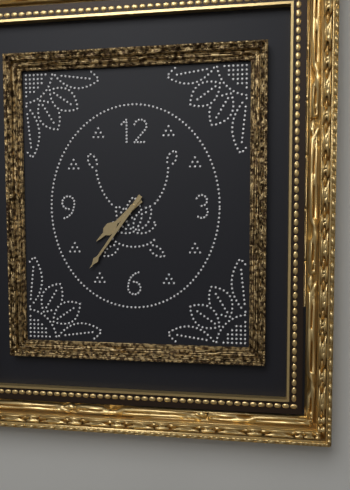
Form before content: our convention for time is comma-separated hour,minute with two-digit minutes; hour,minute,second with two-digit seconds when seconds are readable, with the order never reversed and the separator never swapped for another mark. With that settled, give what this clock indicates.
7,36
